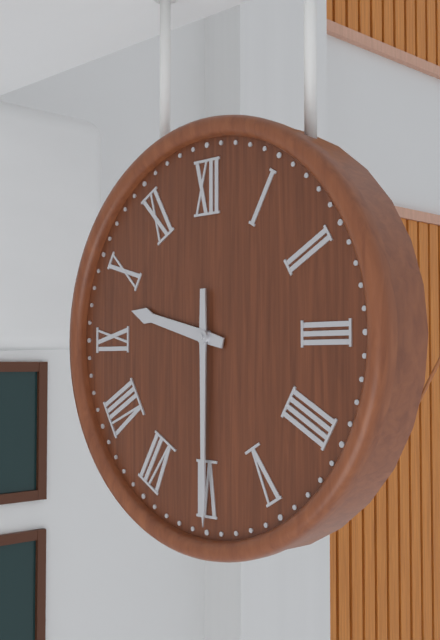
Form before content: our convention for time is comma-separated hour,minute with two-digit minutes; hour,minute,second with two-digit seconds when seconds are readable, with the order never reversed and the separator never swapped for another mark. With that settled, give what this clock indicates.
9,30
